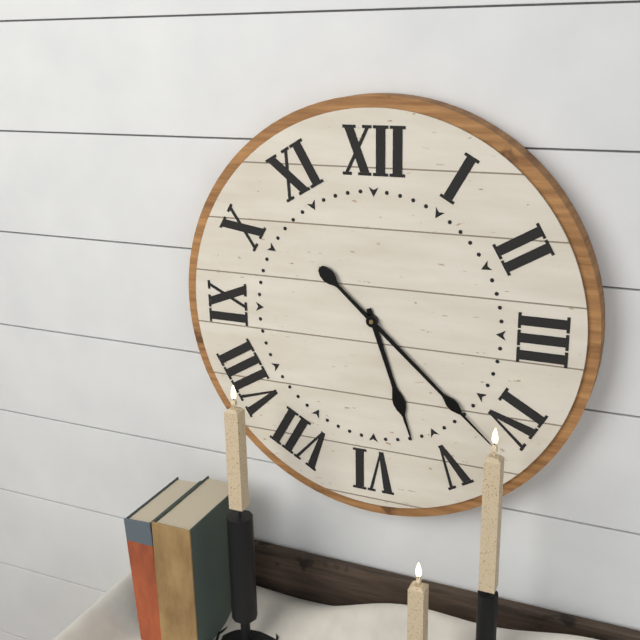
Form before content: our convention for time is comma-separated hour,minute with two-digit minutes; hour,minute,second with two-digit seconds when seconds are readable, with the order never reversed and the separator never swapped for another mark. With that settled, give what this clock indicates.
5,22
